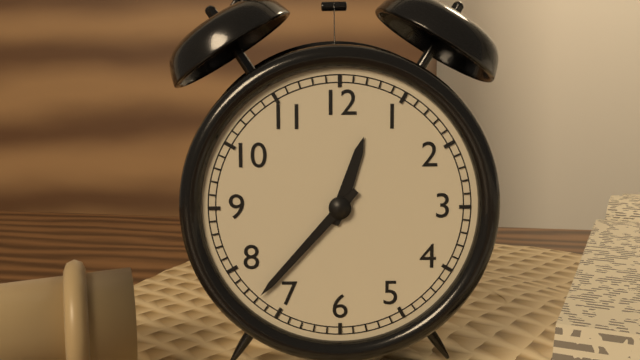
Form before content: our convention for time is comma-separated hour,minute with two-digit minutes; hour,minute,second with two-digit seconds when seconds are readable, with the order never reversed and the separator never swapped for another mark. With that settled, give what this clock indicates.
12,37
